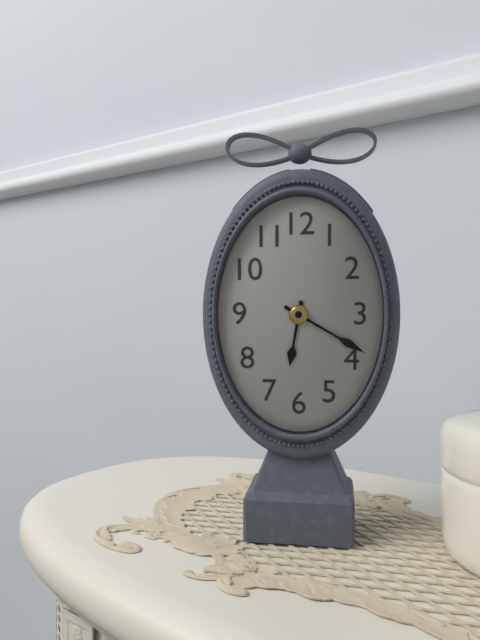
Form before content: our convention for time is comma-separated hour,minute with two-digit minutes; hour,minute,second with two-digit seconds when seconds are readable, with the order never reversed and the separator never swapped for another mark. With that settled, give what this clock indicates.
6,20
